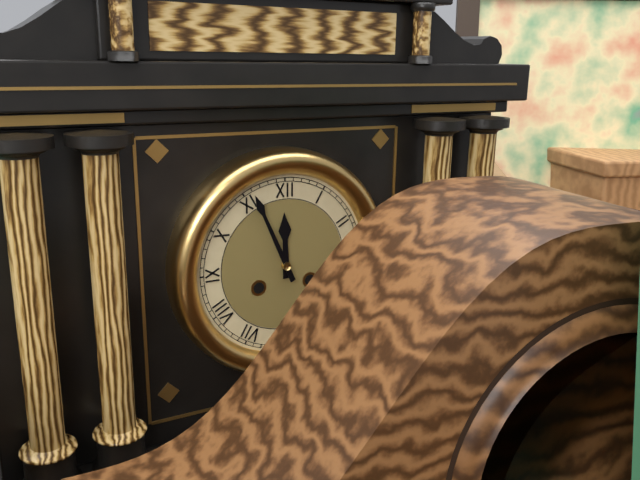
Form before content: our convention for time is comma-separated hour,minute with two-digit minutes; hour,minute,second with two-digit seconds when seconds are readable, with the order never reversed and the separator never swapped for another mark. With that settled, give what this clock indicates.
11,56
